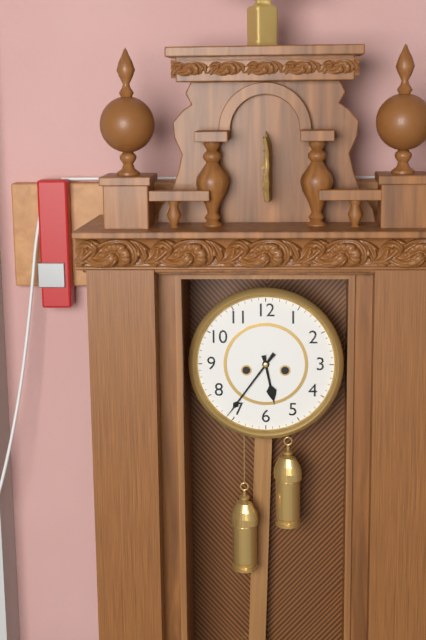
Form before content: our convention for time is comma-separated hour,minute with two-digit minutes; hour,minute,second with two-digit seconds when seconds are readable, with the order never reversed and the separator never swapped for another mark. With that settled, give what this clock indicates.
5,36
